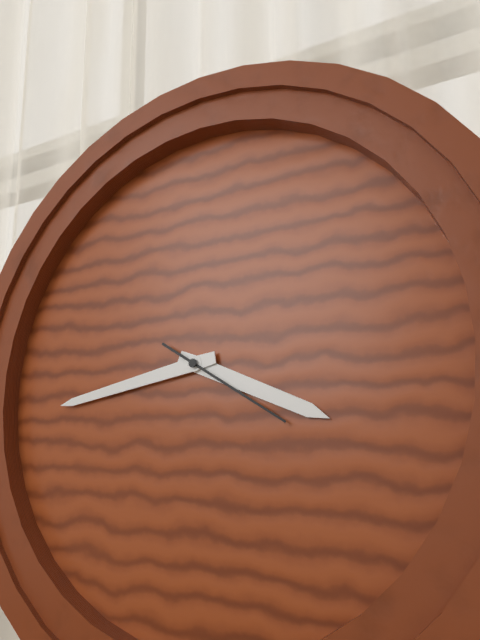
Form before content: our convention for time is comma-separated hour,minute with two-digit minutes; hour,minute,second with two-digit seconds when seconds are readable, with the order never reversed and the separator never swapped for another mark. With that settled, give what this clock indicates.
3,43,20
